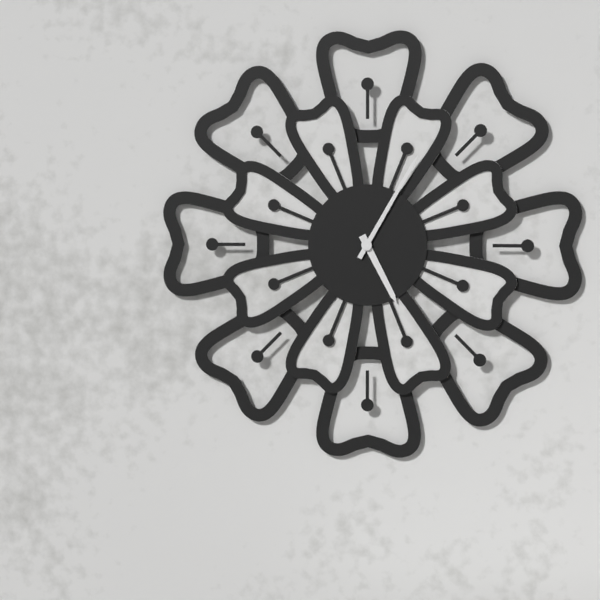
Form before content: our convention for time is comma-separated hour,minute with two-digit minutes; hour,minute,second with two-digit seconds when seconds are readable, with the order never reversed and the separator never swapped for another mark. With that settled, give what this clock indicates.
5,05
